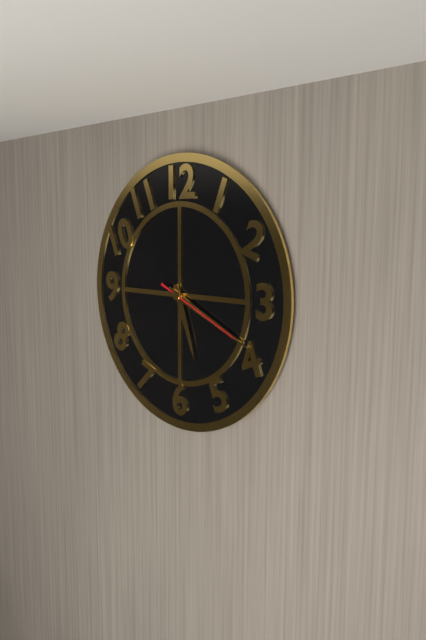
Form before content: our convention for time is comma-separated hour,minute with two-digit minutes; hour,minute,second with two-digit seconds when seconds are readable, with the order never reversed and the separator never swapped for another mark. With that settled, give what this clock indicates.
5,19,19
